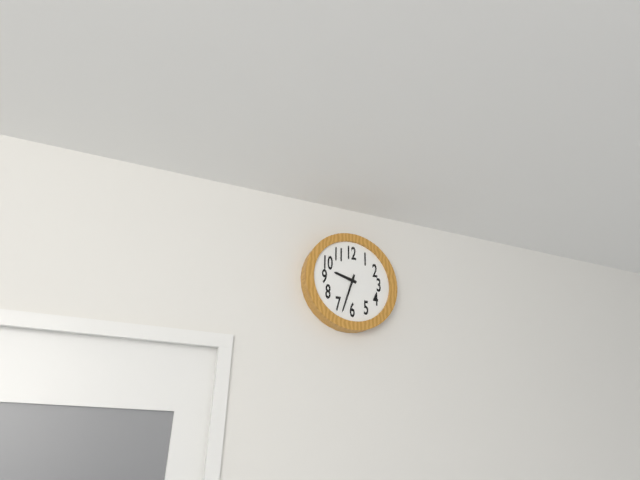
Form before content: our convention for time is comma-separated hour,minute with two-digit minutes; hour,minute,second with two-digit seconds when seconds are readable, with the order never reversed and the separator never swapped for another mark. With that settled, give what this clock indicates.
9,33
